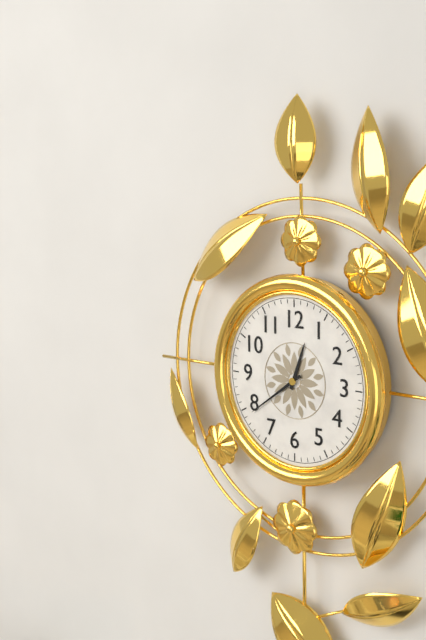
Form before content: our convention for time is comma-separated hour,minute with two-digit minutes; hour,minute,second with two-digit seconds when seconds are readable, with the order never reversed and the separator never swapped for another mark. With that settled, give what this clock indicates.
12,39
